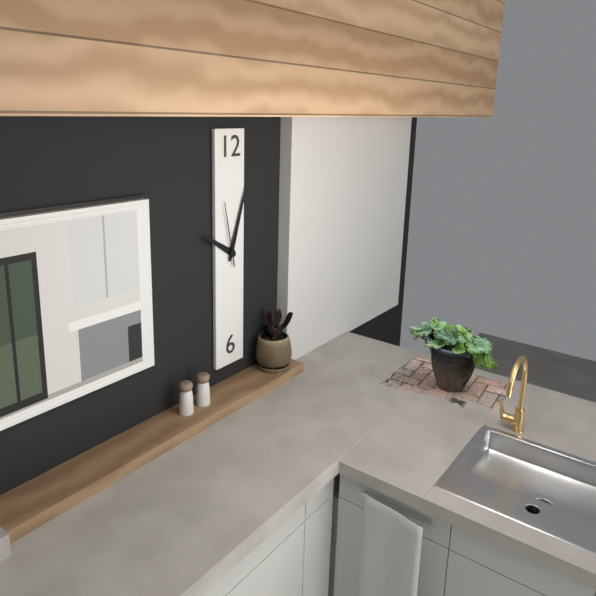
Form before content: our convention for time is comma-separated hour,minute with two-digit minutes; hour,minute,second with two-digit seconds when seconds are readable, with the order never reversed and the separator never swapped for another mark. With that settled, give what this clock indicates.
10,03,58
